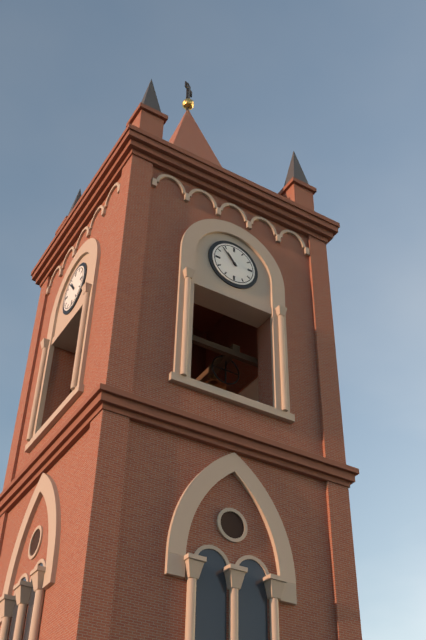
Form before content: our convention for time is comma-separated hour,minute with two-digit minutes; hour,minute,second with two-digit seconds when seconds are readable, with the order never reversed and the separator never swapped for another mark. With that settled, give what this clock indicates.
10,53
